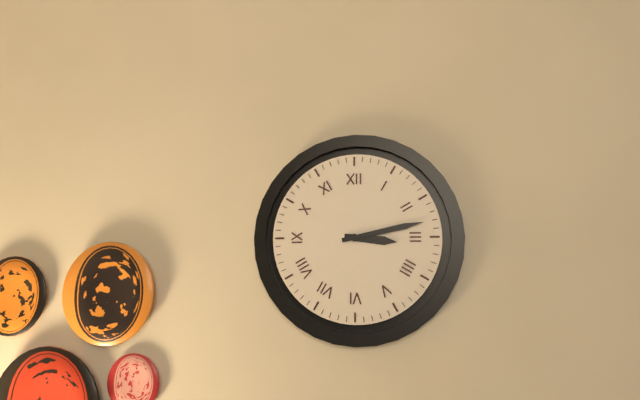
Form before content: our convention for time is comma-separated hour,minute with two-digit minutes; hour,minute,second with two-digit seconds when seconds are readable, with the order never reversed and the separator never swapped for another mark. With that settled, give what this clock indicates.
3,13
